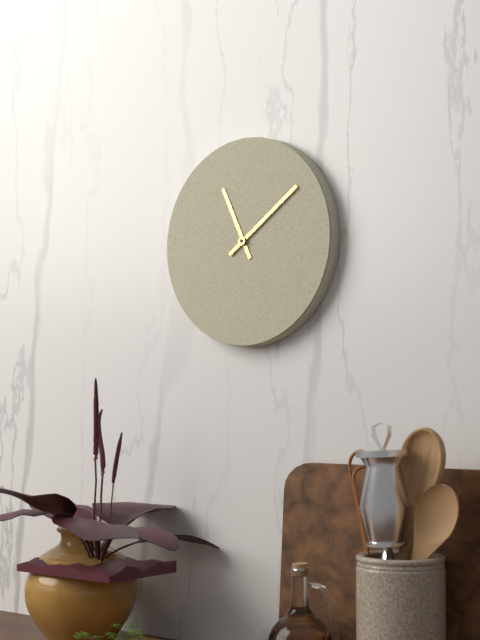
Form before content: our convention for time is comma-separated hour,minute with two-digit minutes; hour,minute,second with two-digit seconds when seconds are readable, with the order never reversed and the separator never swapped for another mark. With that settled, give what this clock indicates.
11,09
